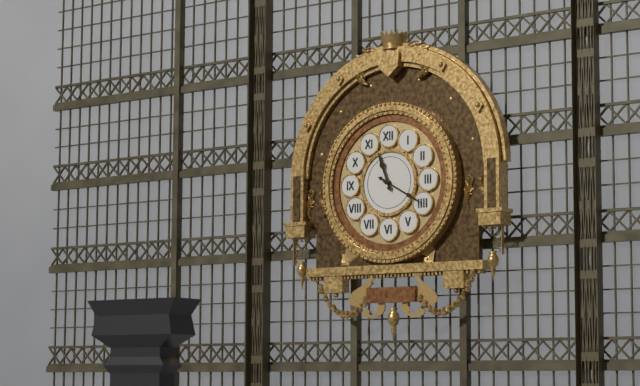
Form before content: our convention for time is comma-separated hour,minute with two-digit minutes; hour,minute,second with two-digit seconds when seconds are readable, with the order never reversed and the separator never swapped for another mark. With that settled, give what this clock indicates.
11,20
